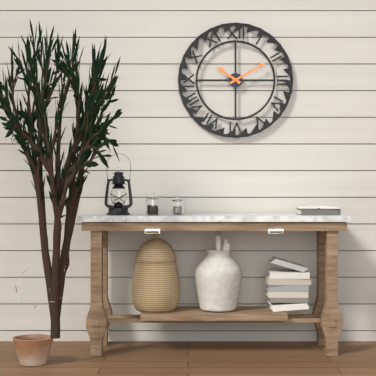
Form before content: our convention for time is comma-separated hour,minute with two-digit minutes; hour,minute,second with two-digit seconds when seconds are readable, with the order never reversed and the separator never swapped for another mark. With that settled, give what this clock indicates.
10,10
